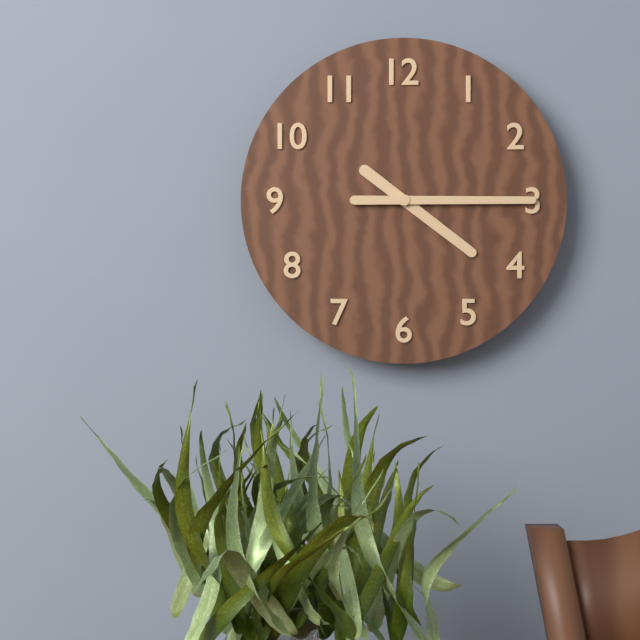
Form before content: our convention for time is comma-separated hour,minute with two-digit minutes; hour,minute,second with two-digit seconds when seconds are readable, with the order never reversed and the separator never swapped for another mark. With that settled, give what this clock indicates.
4,15
